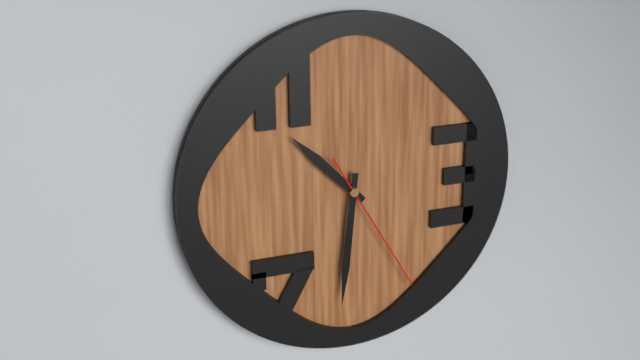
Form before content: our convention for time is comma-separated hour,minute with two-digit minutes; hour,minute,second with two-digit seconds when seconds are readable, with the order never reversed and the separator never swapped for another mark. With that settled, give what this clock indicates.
10,31,25
